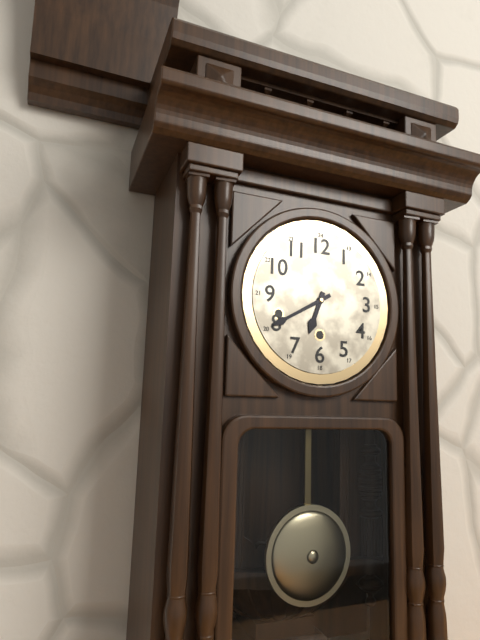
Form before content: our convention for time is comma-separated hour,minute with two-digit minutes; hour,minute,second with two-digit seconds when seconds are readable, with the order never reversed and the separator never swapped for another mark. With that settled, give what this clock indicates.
6,40
